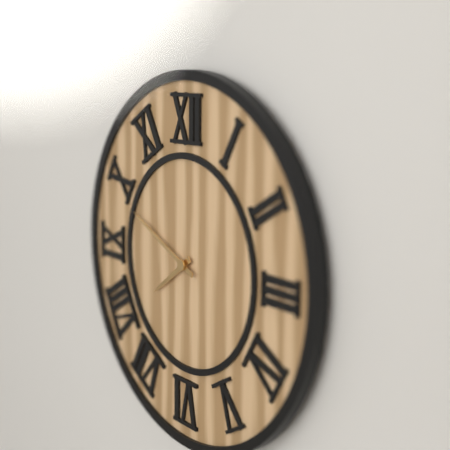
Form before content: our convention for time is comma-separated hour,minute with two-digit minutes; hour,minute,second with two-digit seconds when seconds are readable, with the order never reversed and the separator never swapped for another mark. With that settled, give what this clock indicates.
7,49
